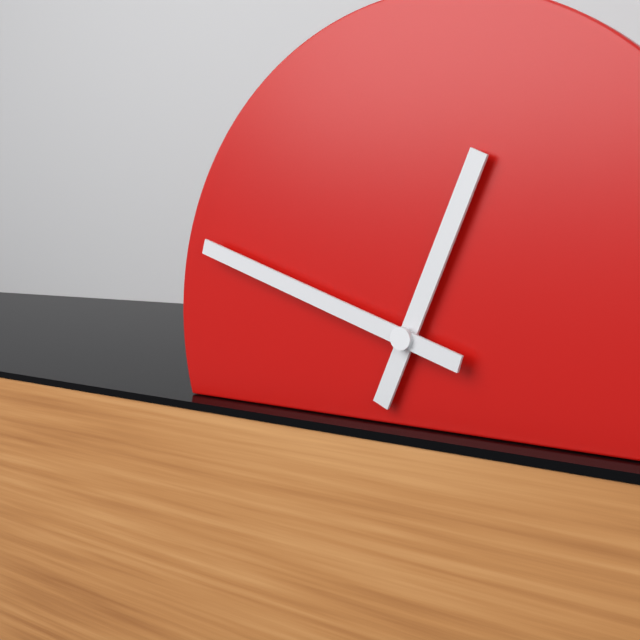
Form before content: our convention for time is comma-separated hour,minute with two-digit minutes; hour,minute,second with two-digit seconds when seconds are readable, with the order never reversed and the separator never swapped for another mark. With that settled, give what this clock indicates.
12,48
